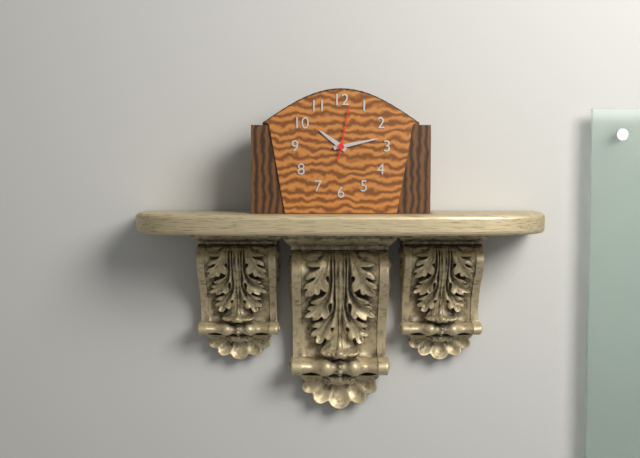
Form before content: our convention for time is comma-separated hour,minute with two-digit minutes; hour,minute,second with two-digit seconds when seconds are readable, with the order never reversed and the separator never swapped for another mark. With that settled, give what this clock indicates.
10,13,02
